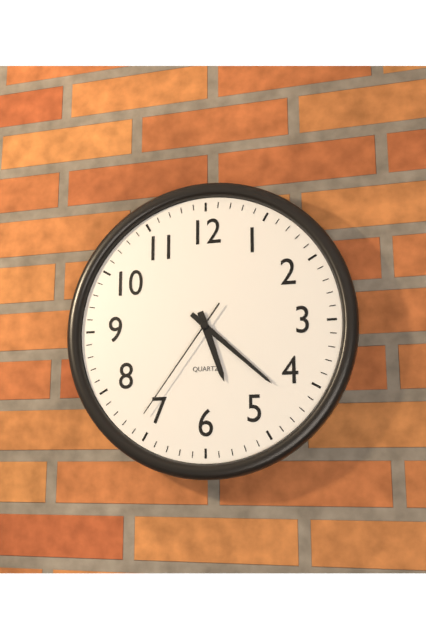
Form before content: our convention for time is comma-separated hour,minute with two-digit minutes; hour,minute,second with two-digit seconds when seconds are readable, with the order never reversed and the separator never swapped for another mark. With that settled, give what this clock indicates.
5,22,36
